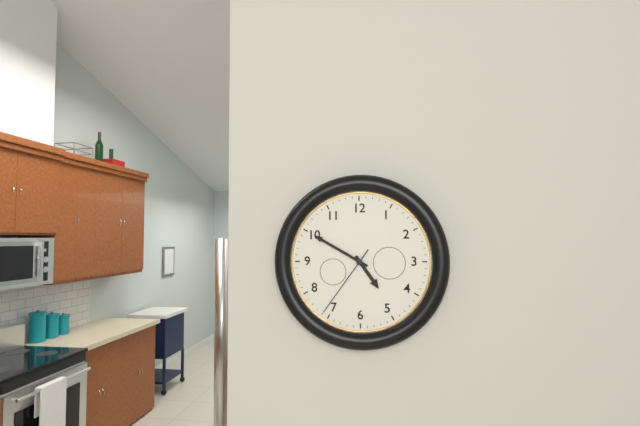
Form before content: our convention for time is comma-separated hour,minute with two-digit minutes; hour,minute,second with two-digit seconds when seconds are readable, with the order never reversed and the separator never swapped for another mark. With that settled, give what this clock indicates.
4,50,36
